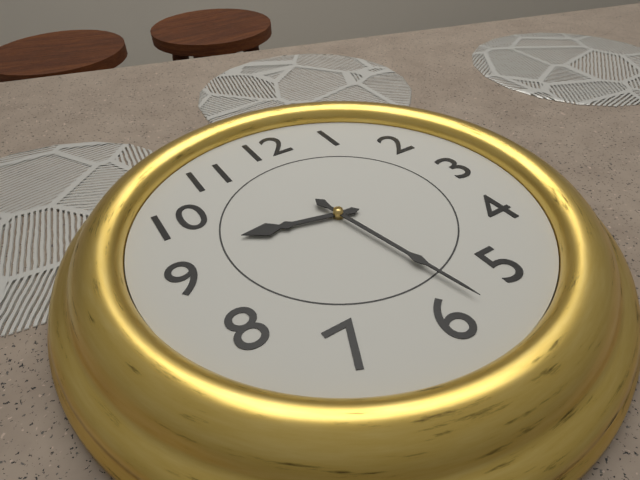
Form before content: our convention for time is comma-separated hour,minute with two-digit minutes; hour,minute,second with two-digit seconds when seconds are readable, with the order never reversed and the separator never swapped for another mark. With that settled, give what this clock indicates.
9,28
